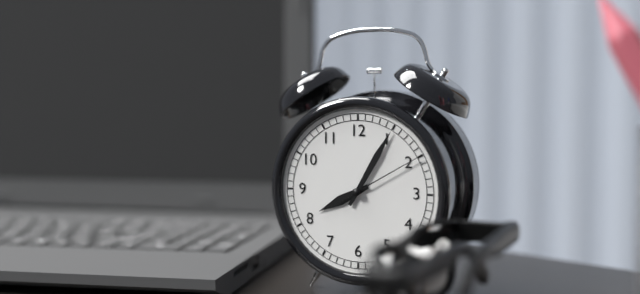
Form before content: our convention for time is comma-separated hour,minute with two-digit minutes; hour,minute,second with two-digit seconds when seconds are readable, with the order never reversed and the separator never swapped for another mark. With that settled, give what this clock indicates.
8,05,10
